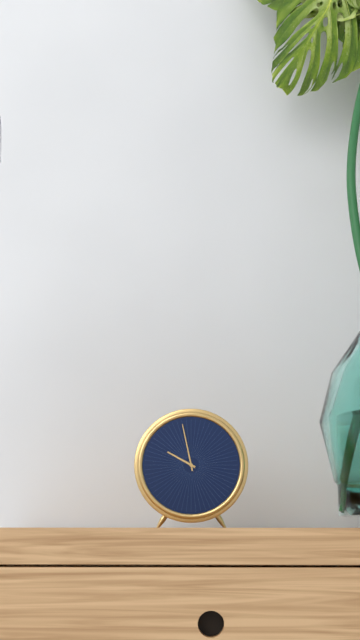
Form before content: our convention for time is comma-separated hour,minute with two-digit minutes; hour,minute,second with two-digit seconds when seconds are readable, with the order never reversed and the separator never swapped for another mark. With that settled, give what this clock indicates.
9,58
